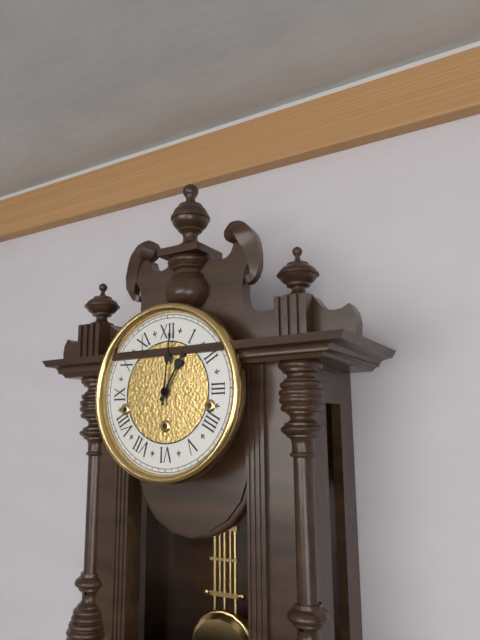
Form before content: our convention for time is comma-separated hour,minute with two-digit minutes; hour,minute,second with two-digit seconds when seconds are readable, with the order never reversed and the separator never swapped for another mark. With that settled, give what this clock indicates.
1,01
